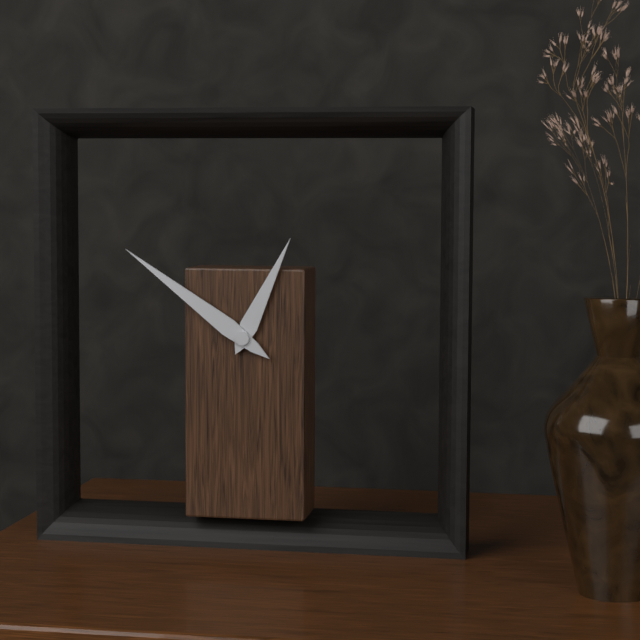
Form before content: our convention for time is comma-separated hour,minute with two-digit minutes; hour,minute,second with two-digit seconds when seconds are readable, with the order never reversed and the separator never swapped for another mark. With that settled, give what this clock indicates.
12,51
